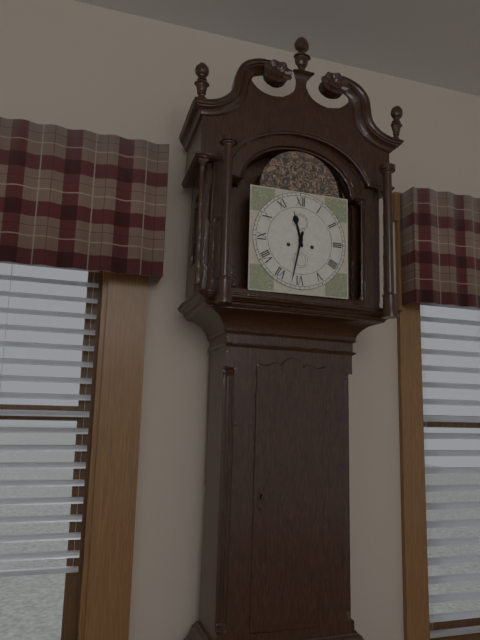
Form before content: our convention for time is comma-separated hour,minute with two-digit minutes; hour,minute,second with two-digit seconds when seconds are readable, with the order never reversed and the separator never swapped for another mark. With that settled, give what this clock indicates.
11,32
